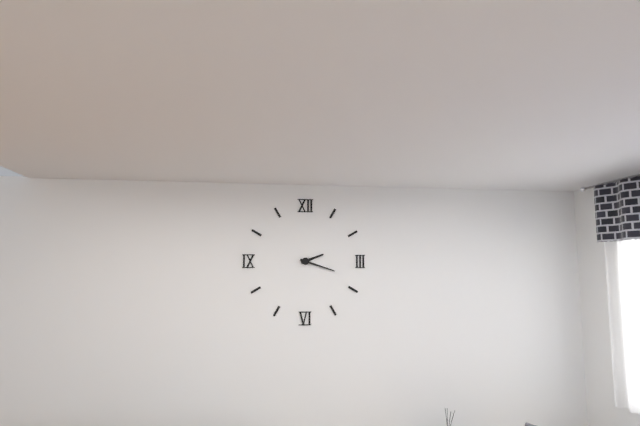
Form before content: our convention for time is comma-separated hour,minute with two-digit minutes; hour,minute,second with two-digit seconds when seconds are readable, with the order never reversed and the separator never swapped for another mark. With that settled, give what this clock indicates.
2,18
